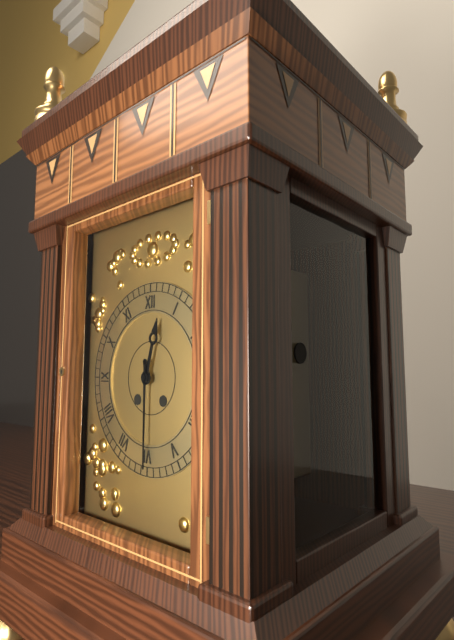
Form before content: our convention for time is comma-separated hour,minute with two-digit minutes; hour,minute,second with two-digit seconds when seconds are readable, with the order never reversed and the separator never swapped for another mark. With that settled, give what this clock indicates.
12,30
